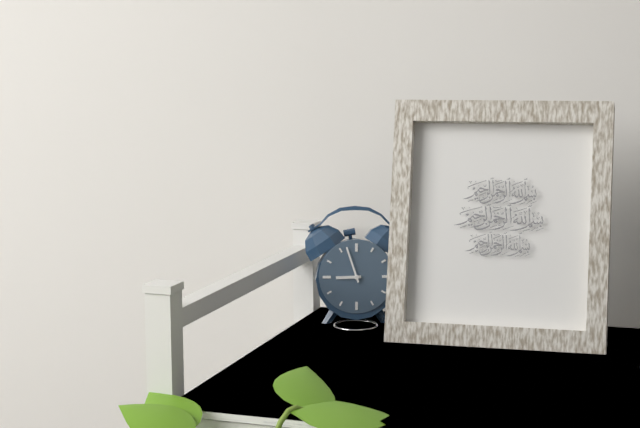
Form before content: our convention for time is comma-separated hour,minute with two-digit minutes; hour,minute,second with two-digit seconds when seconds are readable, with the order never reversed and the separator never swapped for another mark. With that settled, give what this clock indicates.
8,57
